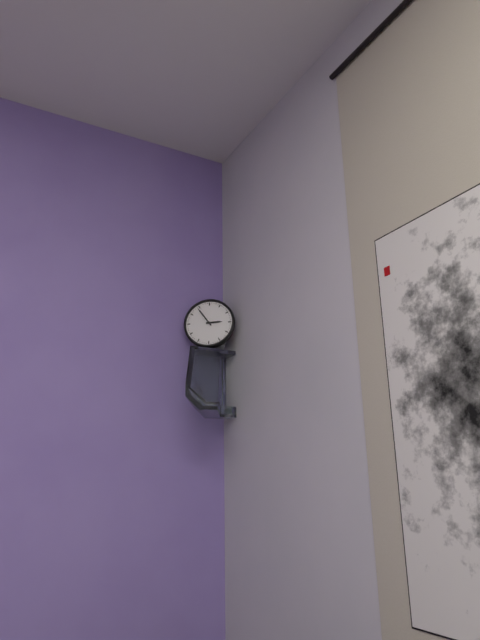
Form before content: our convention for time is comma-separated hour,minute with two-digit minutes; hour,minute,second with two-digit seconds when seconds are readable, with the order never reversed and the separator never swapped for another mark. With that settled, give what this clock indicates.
2,54
